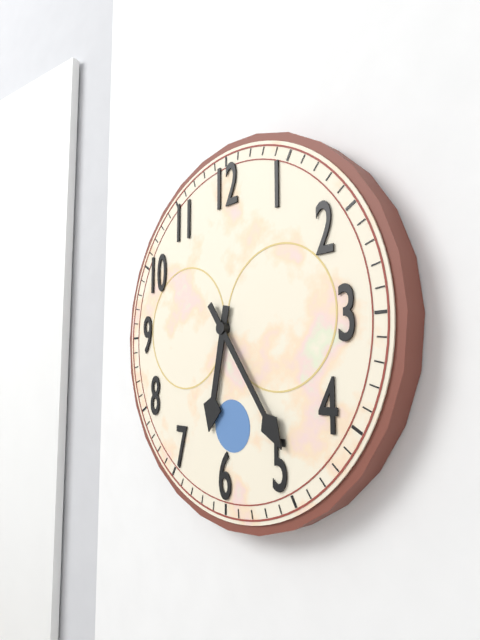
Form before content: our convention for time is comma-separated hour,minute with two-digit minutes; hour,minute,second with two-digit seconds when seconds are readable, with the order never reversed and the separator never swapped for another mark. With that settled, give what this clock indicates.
6,24
